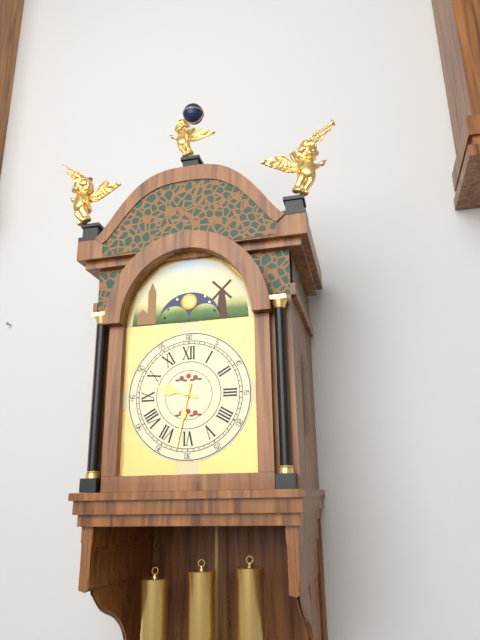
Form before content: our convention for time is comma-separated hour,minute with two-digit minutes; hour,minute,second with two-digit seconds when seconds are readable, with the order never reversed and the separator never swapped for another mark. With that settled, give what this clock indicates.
9,32
